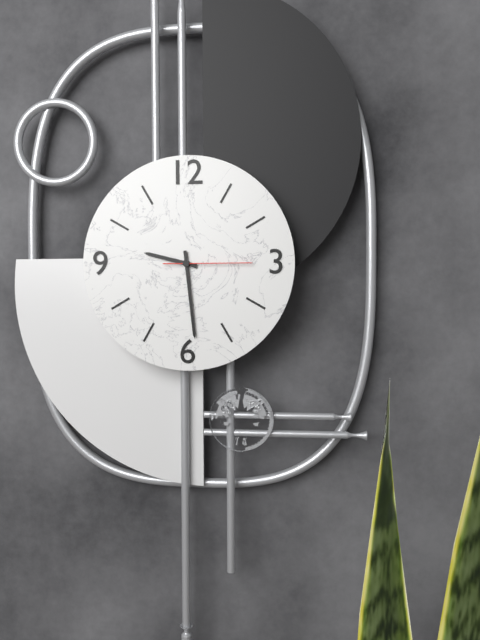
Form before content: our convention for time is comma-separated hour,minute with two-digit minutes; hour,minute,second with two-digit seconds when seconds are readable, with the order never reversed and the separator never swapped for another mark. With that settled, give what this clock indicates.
9,29,15
